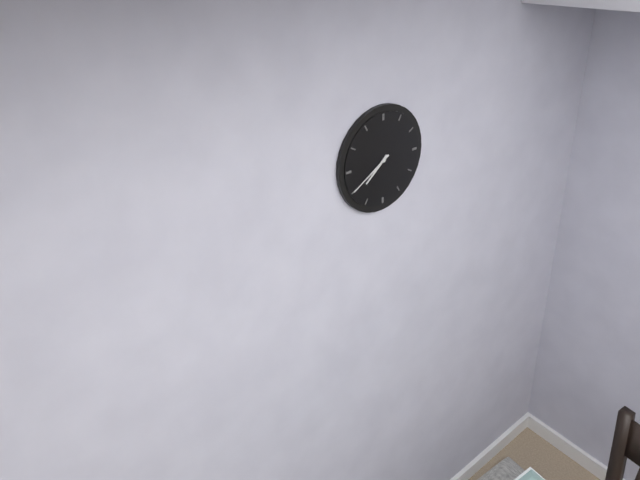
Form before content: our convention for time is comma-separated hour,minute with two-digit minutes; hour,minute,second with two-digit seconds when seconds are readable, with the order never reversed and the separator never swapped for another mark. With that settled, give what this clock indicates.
7,40
